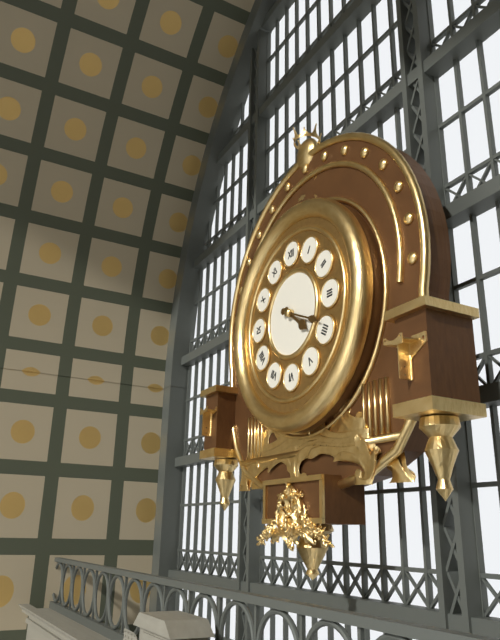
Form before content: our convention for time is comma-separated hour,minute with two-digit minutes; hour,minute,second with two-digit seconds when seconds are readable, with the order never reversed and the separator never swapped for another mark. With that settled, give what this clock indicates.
4,19
